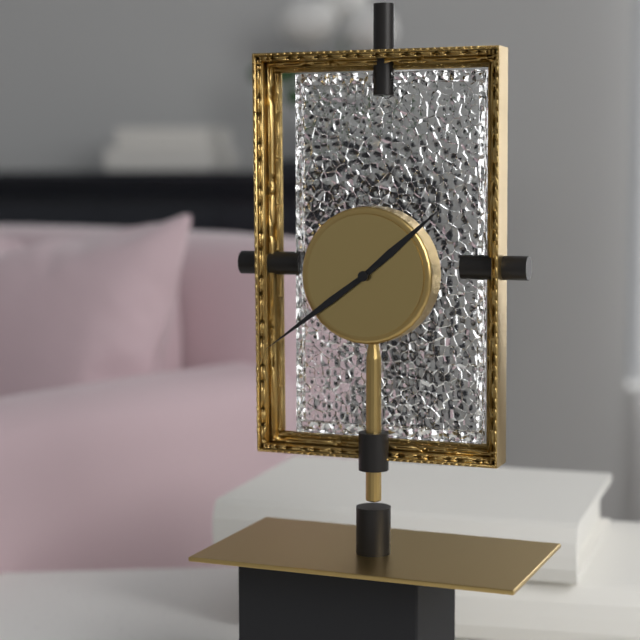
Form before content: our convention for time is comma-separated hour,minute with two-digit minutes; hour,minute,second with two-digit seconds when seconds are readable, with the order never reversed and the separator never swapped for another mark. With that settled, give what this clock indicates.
1,39
